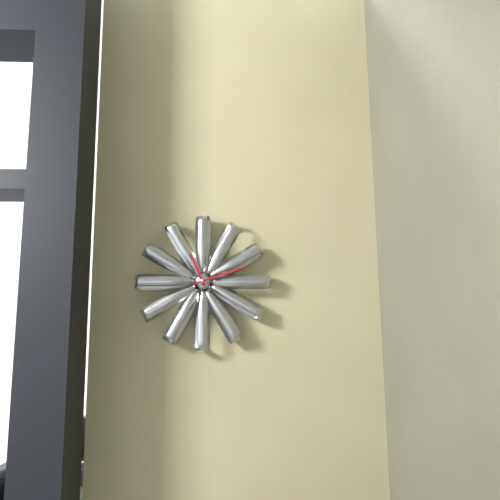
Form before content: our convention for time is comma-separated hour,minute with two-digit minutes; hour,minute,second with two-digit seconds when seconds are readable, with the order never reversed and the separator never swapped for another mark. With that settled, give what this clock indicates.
11,12
